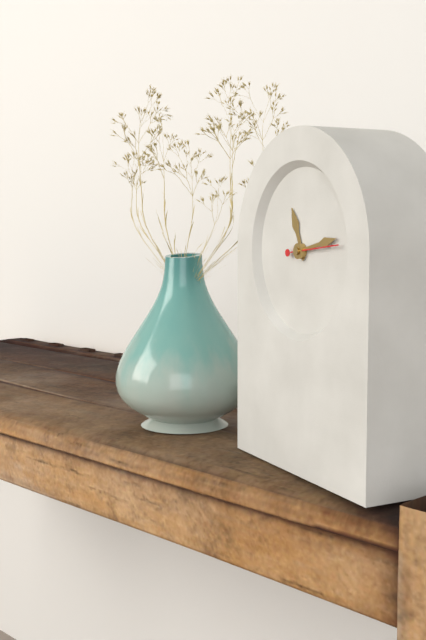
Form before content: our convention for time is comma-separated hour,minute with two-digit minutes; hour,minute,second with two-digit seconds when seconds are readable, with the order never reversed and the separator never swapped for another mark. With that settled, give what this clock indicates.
11,13,14
